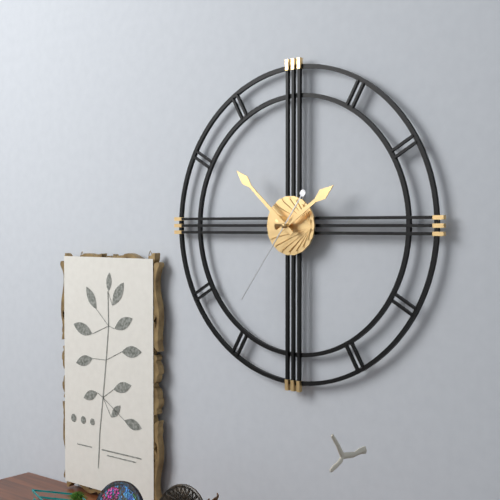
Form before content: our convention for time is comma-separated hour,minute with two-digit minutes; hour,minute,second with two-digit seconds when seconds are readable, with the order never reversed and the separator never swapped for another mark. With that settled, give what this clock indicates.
1,52,36
